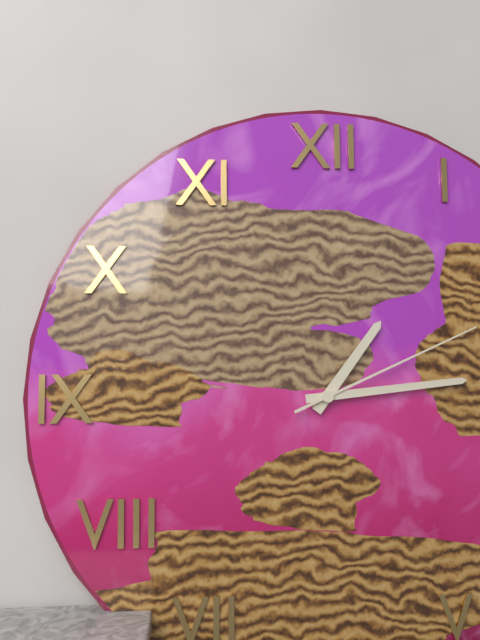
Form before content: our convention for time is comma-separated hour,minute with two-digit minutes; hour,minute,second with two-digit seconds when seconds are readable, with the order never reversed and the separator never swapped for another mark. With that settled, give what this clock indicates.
1,14,11
